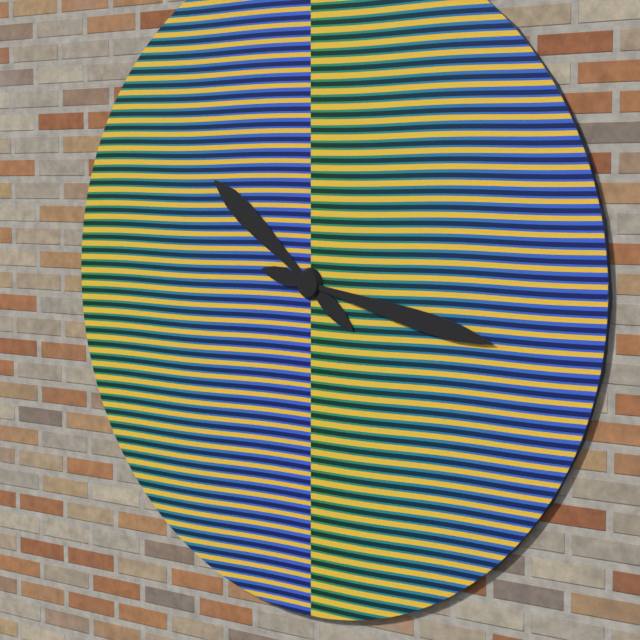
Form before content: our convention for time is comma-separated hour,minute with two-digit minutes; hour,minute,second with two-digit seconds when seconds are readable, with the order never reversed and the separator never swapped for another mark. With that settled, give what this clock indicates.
10,17
